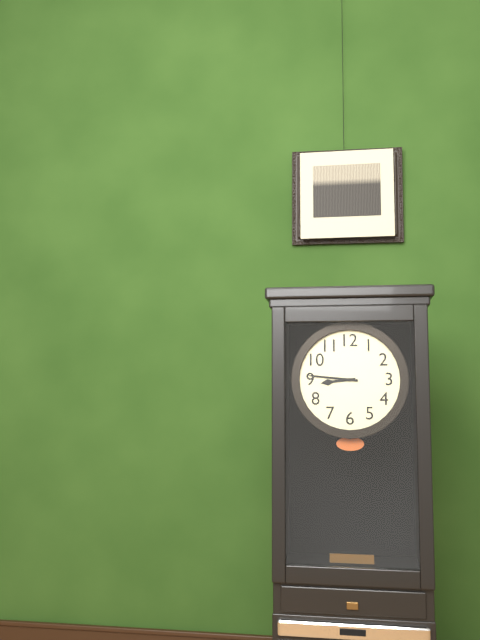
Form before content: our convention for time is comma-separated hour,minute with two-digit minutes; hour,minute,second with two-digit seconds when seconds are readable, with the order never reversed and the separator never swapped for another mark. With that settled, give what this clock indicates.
8,46
